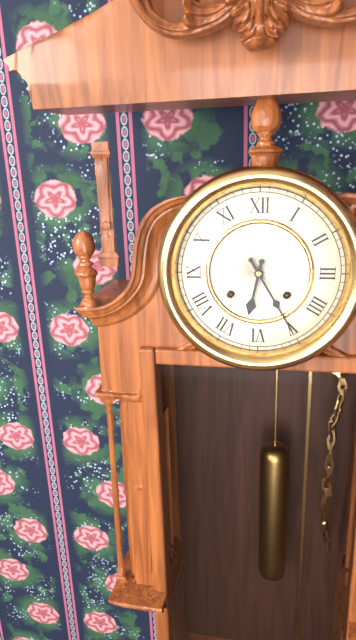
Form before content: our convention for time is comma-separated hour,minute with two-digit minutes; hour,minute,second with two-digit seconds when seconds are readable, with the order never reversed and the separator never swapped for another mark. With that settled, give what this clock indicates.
6,25
